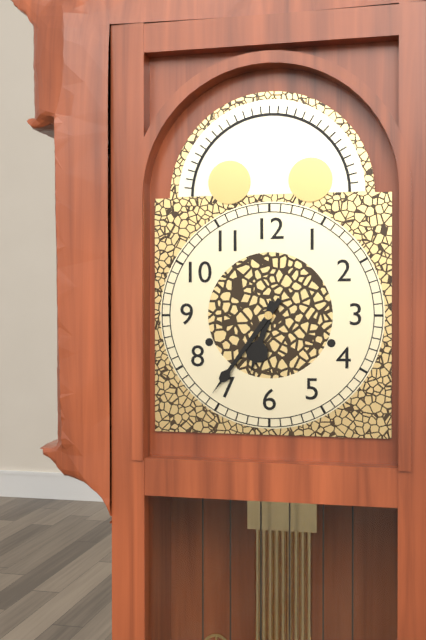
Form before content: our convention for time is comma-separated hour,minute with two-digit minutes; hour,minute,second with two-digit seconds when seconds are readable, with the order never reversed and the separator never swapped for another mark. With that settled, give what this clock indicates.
6,36
